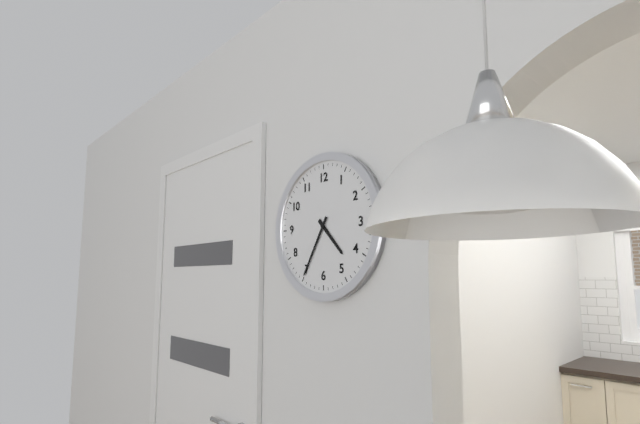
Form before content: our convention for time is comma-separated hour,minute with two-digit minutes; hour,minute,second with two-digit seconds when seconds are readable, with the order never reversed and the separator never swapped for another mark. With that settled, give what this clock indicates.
4,35
